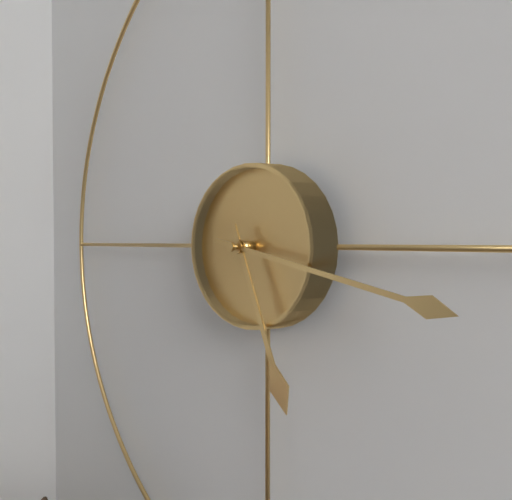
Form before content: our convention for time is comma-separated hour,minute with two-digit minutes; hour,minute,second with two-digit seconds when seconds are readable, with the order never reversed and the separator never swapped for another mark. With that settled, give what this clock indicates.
5,17
